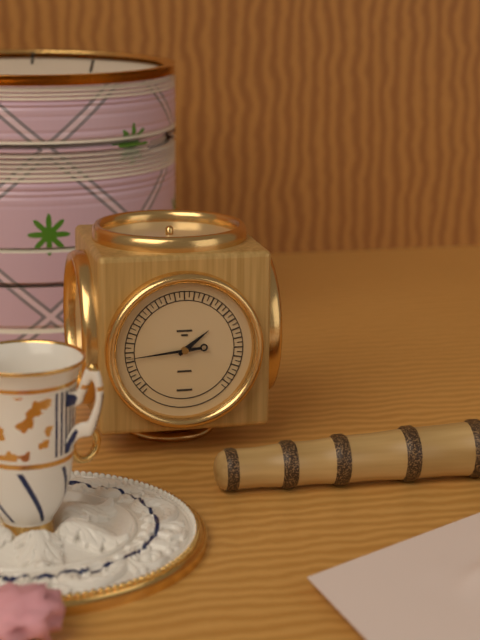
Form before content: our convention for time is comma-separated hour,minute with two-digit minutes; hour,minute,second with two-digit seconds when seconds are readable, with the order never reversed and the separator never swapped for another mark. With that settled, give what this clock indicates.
1,44
